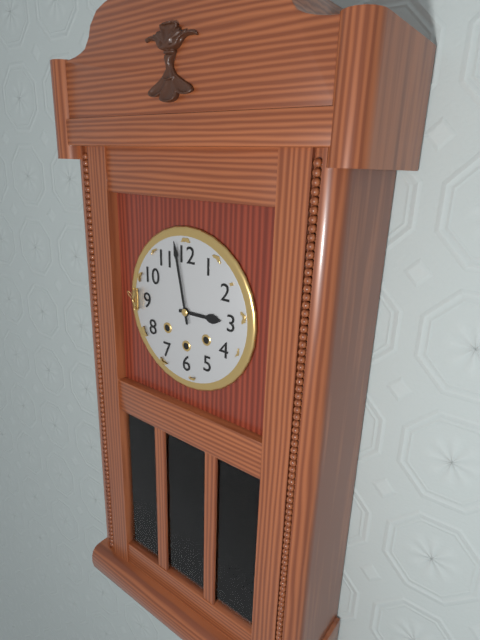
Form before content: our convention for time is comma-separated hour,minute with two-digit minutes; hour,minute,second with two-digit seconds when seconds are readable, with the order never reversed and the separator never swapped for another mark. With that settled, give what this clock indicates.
2,58
